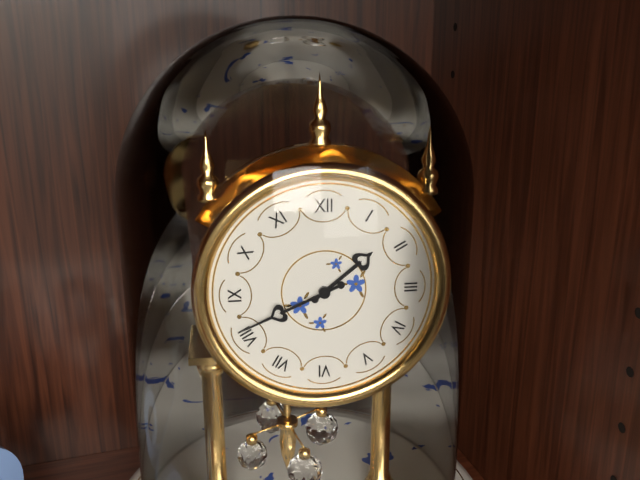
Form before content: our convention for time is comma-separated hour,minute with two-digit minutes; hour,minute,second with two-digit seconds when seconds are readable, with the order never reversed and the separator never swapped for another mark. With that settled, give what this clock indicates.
1,41
